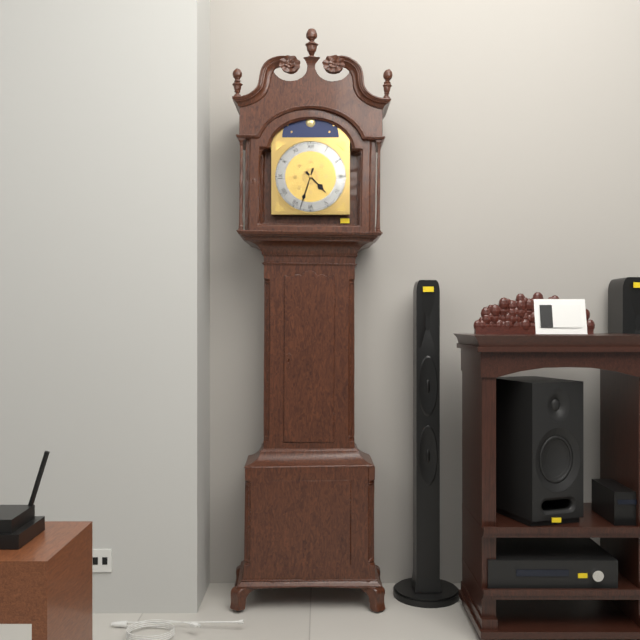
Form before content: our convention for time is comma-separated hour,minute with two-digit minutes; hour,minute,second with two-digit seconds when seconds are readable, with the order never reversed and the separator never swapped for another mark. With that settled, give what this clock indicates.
4,33
